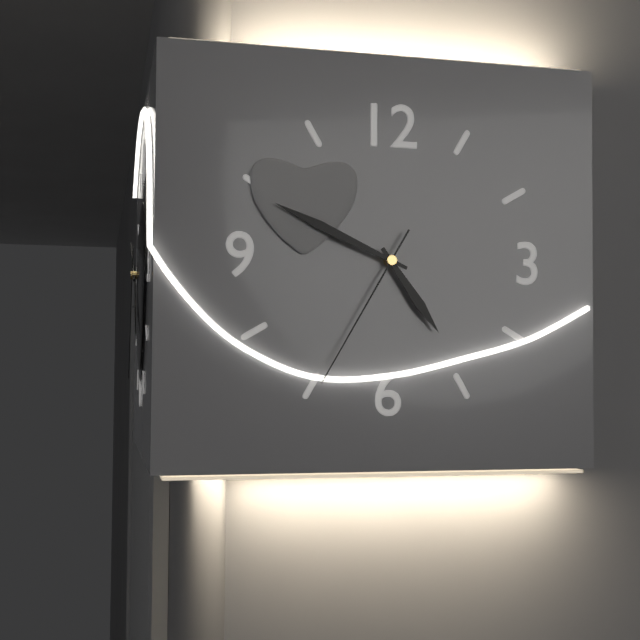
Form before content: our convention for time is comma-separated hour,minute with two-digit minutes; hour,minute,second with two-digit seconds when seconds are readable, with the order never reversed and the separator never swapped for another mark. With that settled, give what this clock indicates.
4,49,35
